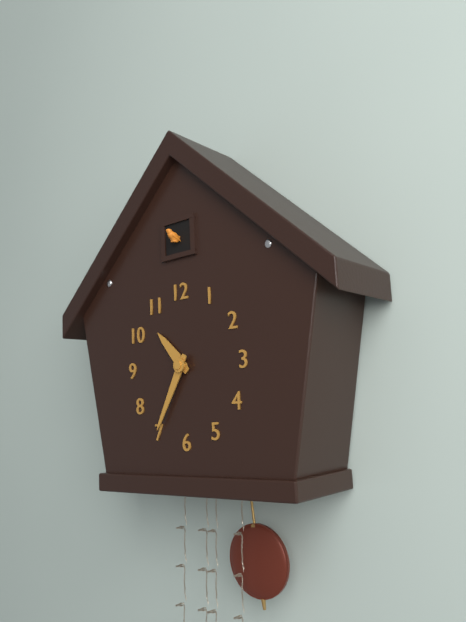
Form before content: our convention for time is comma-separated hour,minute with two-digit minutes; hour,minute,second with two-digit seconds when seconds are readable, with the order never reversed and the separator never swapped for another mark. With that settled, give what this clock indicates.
10,35
